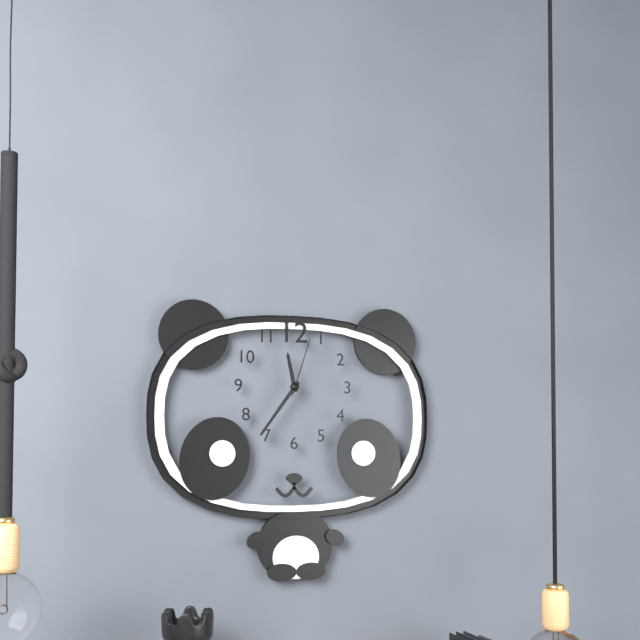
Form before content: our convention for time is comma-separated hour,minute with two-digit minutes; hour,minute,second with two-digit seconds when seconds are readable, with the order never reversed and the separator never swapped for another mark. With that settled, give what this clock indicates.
11,36,03
